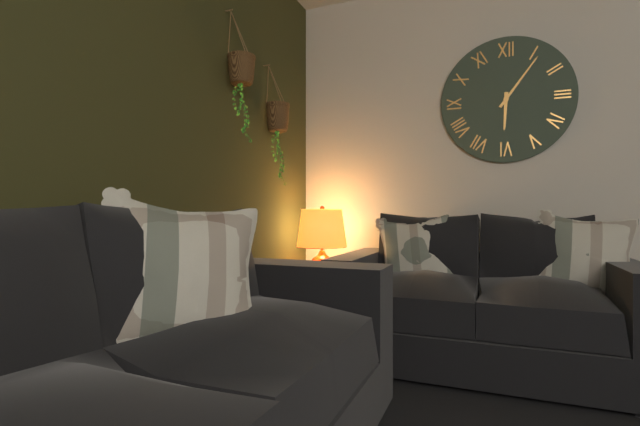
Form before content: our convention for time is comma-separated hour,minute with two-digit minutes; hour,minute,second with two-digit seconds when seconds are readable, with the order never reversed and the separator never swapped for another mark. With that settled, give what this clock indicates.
6,06
